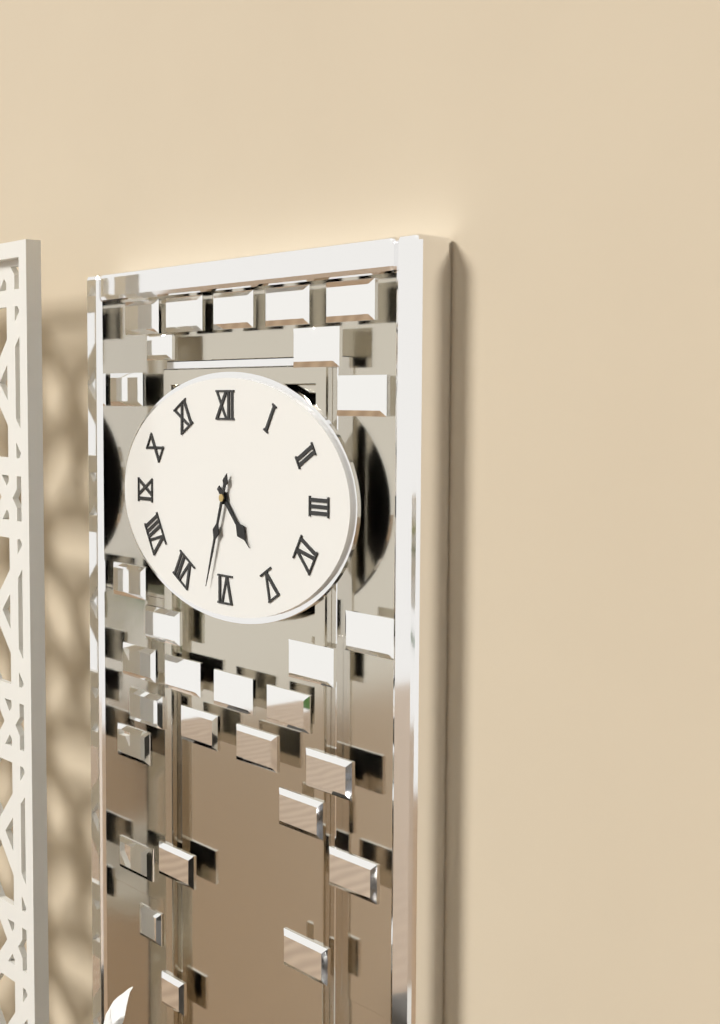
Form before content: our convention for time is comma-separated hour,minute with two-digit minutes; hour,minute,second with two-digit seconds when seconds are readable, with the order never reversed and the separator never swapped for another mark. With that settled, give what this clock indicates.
4,33
